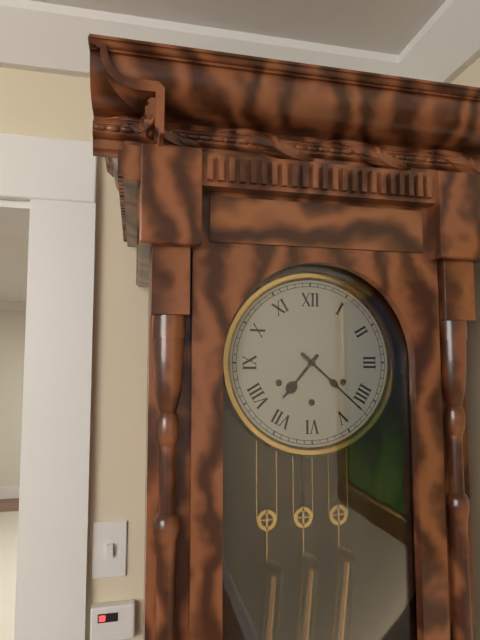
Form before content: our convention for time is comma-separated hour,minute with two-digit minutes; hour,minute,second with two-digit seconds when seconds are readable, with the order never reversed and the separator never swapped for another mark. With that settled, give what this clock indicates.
7,22
